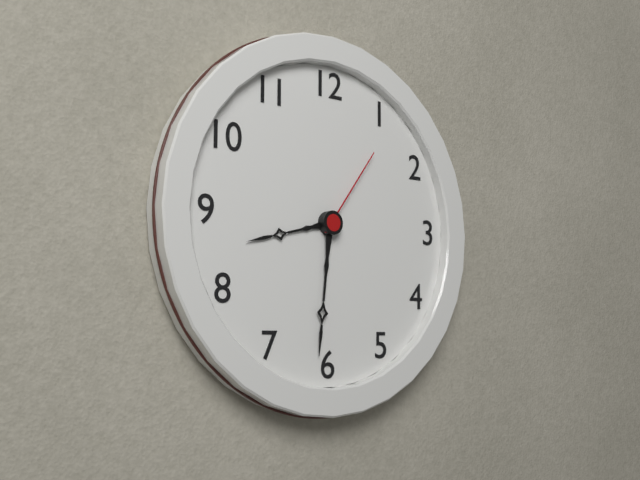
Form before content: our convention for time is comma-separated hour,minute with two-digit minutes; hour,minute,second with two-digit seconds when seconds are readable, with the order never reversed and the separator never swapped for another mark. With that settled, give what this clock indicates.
8,31,06
